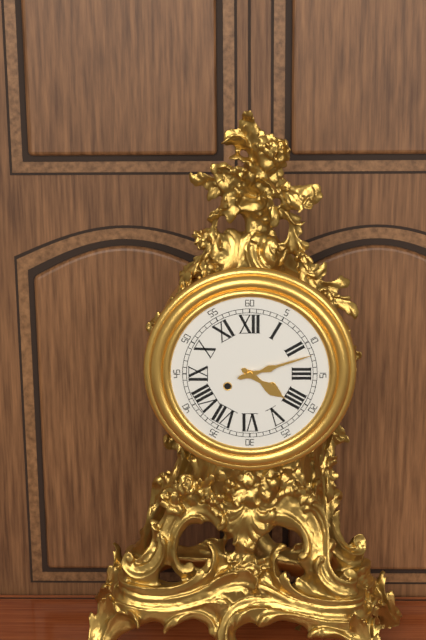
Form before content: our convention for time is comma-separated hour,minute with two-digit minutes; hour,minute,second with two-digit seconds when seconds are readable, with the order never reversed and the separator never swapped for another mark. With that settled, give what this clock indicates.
4,12
